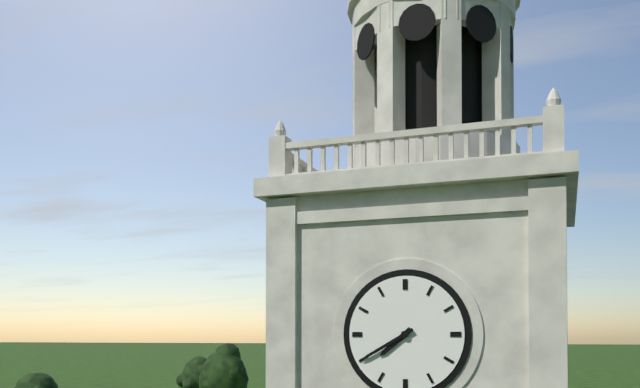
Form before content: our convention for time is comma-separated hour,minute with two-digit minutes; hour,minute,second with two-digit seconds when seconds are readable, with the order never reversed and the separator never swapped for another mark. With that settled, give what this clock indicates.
7,40
